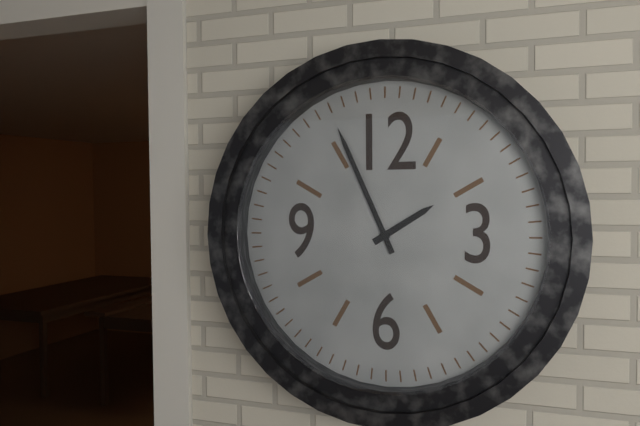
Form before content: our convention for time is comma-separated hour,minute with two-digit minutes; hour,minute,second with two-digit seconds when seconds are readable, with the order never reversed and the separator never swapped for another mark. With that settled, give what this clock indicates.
1,56
